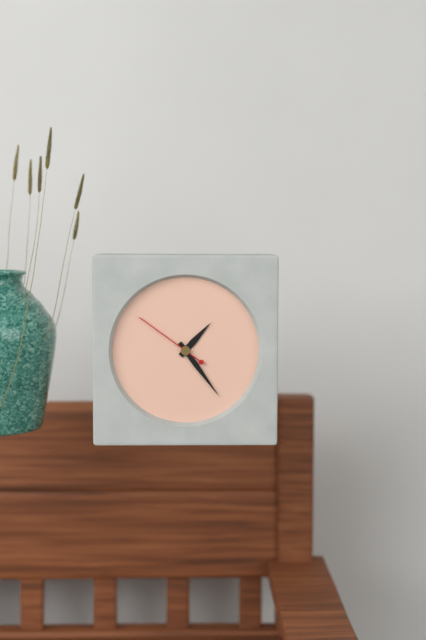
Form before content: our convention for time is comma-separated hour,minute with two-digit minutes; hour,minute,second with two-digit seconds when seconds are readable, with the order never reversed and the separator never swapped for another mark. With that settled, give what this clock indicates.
1,24,51
